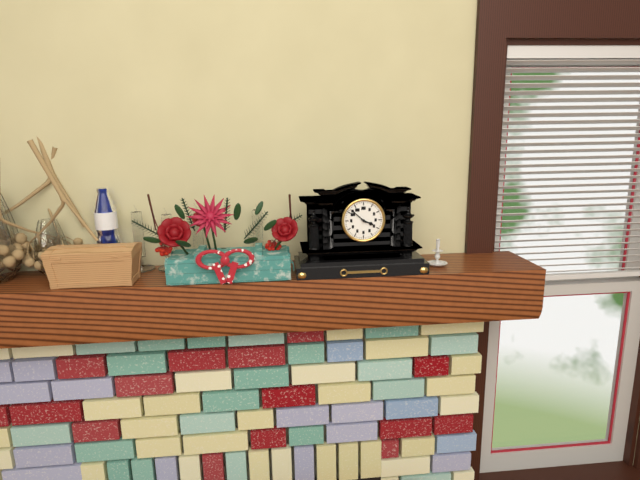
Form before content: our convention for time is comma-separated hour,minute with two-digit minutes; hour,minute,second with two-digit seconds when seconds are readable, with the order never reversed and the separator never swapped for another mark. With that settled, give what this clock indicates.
3,52
